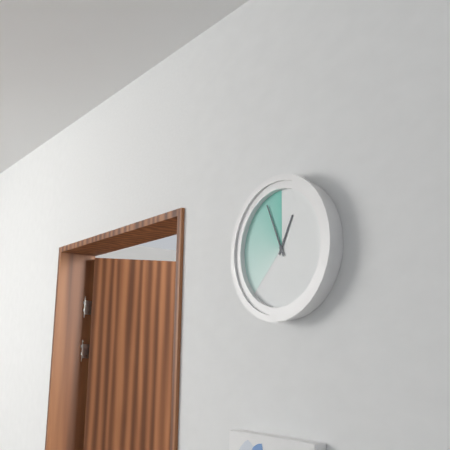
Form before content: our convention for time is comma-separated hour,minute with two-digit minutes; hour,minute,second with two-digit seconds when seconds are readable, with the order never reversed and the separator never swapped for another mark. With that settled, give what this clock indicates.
12,56
